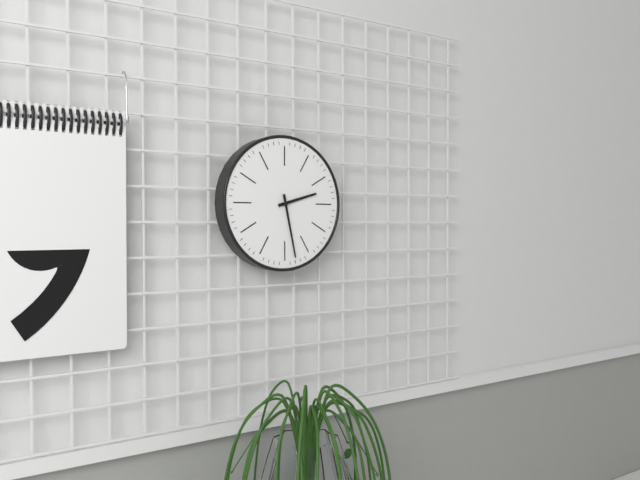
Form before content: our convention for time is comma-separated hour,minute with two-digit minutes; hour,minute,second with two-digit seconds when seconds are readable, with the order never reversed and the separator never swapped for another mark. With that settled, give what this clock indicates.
2,28
